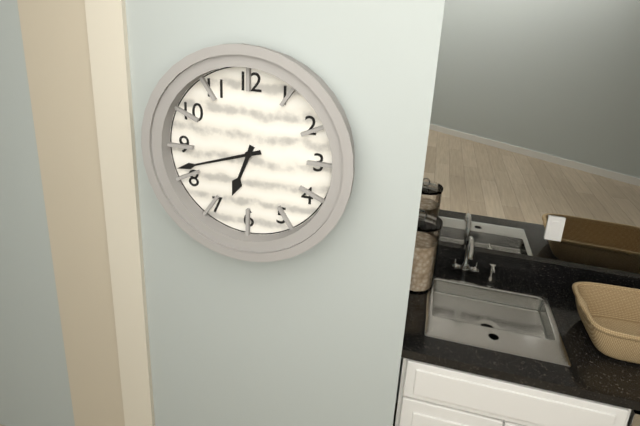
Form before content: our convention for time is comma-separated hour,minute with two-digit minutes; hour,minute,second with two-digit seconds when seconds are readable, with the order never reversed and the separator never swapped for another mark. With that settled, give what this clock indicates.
6,42
